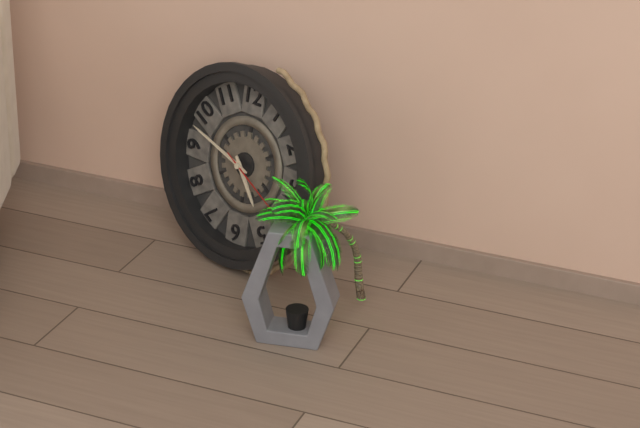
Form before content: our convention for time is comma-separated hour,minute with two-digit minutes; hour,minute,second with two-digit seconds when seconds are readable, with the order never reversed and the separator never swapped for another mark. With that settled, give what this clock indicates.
4,48,20
